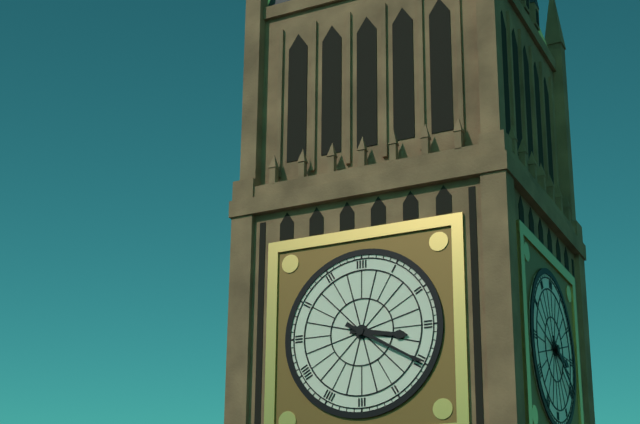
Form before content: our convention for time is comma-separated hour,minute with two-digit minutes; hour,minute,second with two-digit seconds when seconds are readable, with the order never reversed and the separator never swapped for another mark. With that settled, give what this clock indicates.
3,20
